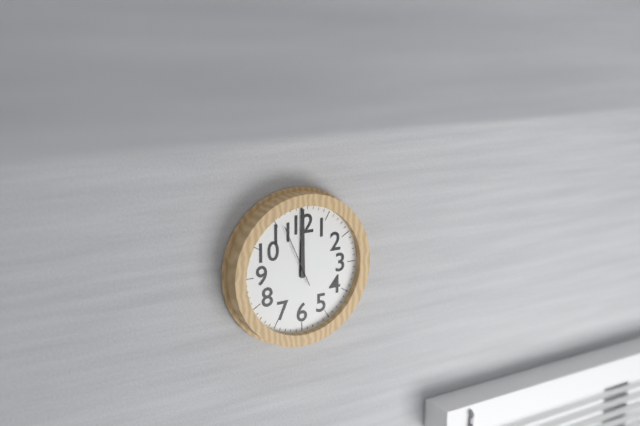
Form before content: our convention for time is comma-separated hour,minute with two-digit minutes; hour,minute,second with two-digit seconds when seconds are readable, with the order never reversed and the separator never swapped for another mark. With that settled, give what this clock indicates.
12,00,56
